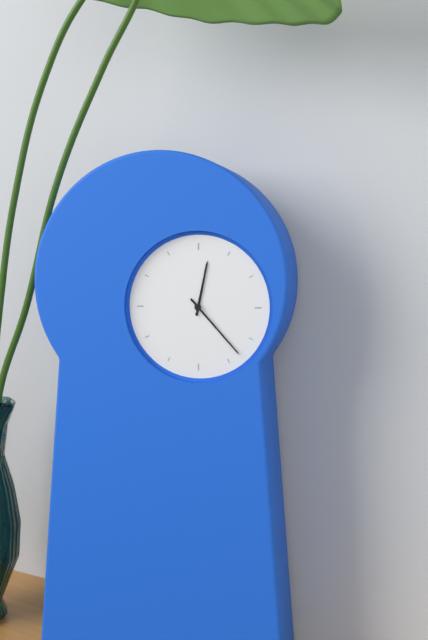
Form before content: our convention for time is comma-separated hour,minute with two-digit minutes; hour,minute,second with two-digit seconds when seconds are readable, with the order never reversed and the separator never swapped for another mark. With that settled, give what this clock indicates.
12,23
